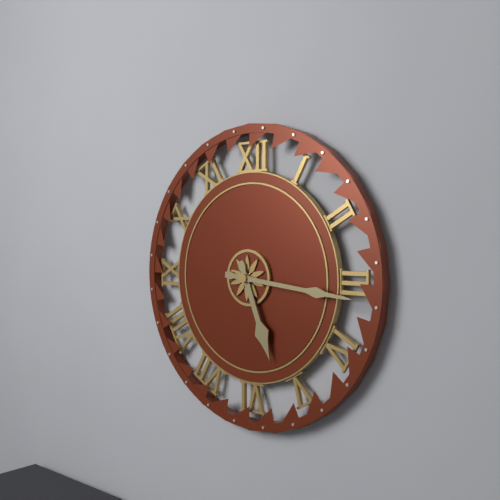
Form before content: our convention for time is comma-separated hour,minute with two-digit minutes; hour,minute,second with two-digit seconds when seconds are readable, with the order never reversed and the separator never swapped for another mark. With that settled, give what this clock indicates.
5,16
